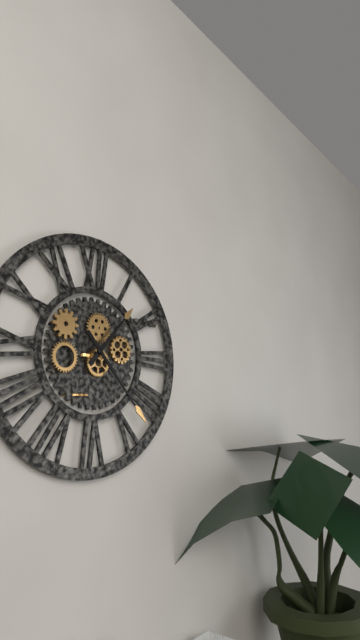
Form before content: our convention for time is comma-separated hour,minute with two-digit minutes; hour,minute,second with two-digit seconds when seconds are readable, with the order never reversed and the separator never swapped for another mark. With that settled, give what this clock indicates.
1,23
